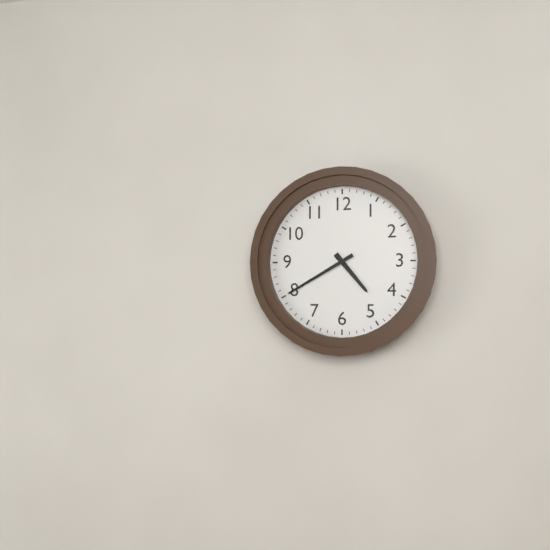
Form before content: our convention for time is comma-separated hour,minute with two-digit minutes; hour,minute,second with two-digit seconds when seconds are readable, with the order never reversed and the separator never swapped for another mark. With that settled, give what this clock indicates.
4,40
